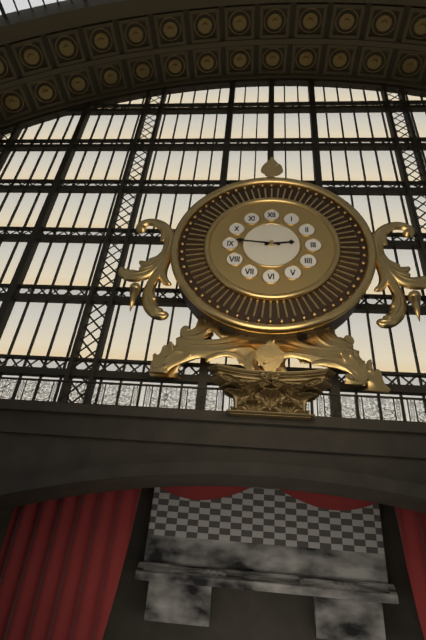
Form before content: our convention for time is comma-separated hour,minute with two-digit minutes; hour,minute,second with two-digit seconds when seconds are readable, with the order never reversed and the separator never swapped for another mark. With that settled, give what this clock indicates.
2,46
